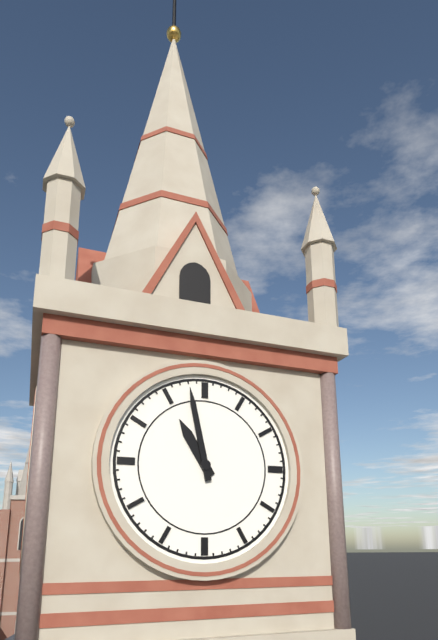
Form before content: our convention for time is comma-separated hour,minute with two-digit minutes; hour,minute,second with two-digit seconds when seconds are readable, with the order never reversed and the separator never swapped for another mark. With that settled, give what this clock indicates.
10,58
